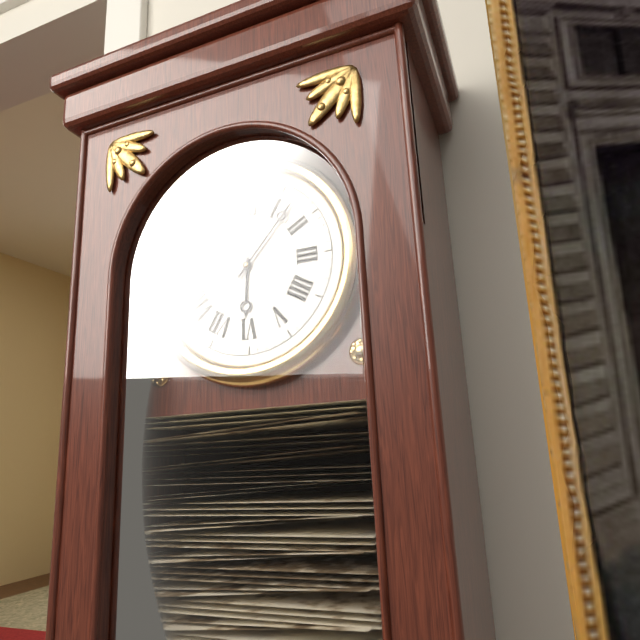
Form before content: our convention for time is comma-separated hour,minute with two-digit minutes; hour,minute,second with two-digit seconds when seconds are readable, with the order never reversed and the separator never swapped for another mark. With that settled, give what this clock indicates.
6,07
